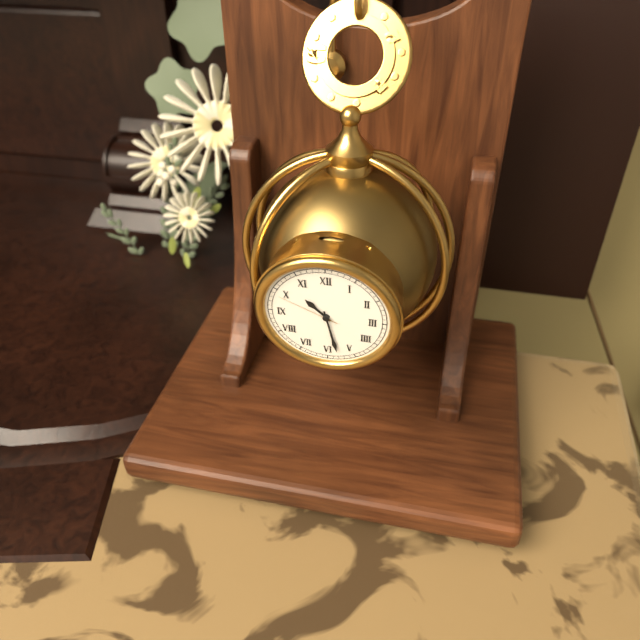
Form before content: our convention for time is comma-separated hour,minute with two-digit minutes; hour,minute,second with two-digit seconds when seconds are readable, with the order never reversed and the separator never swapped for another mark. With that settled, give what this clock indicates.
10,28,49
